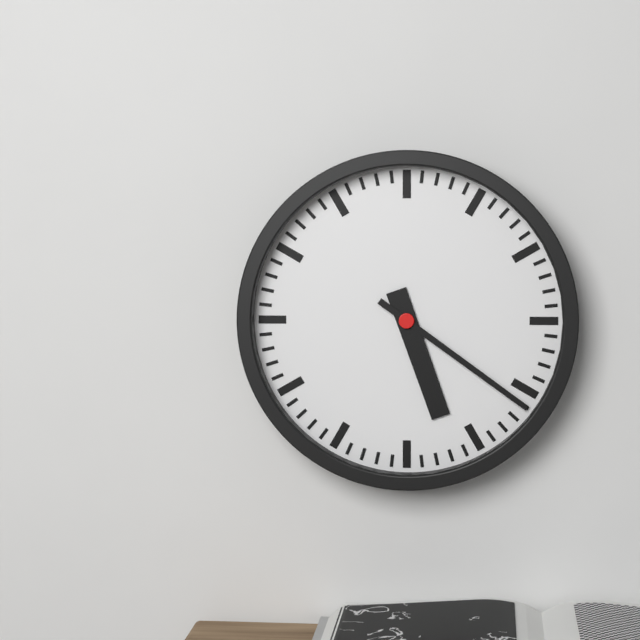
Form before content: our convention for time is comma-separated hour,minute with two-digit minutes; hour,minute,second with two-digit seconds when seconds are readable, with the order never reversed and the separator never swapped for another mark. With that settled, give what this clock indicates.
5,21
